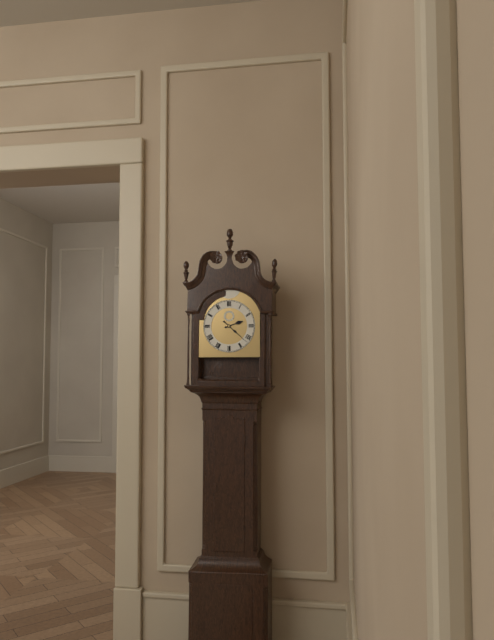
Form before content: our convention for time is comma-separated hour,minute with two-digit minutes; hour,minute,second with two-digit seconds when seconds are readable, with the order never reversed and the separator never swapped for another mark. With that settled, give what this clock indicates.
2,22
